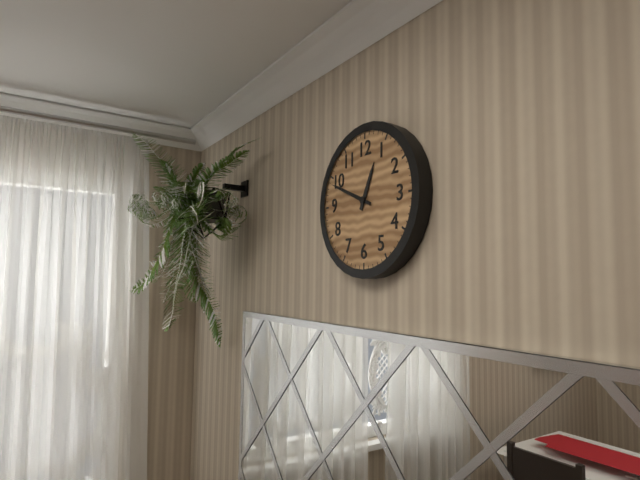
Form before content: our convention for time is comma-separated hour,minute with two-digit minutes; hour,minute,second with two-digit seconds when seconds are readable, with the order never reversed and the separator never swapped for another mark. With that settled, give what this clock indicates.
12,49
